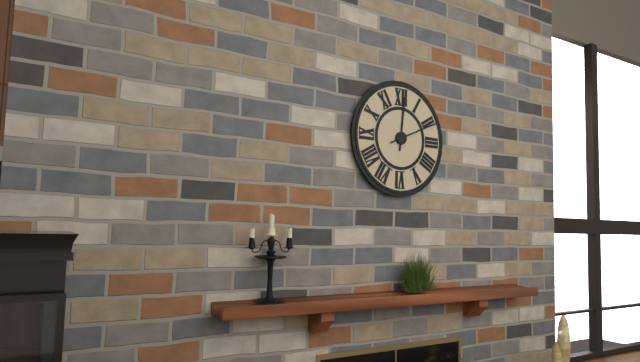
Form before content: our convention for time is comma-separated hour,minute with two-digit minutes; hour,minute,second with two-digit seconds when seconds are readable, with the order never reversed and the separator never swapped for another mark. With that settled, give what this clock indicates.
12,11
